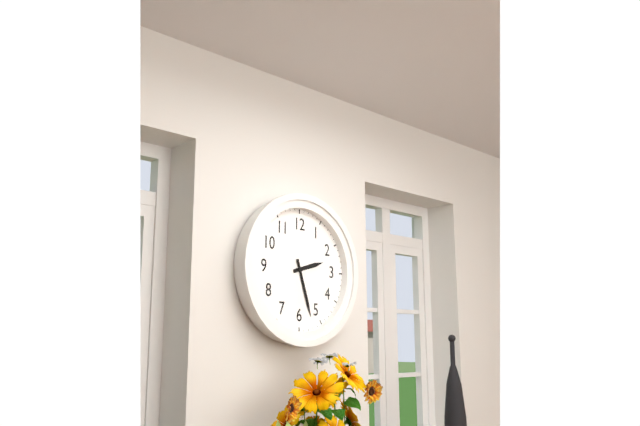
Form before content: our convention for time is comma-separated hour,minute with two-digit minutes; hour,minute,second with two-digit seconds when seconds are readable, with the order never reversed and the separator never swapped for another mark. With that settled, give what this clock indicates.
2,27
